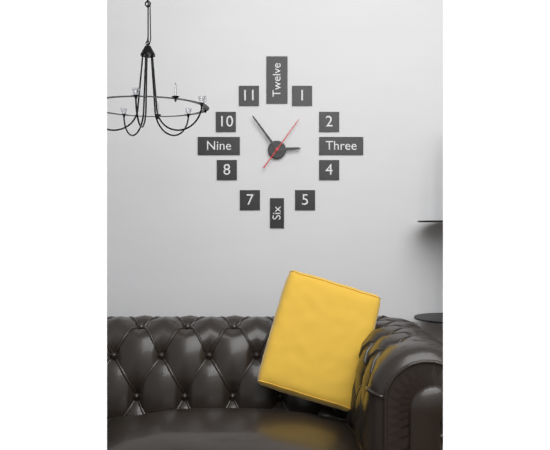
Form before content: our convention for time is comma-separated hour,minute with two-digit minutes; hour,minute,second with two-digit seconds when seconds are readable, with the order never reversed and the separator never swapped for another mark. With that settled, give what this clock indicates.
2,54
